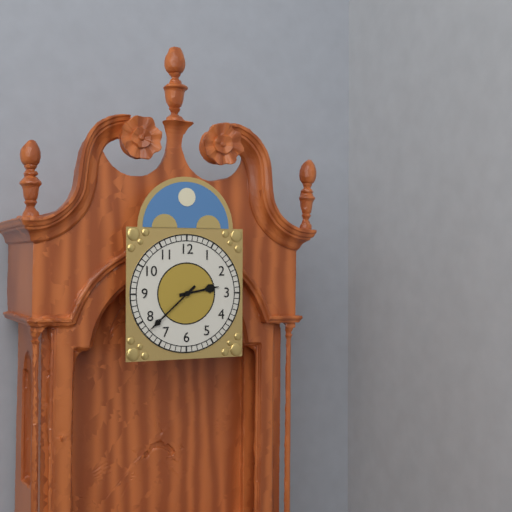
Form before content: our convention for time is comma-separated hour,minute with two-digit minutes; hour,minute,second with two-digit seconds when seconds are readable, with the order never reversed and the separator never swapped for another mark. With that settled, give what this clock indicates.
2,38
